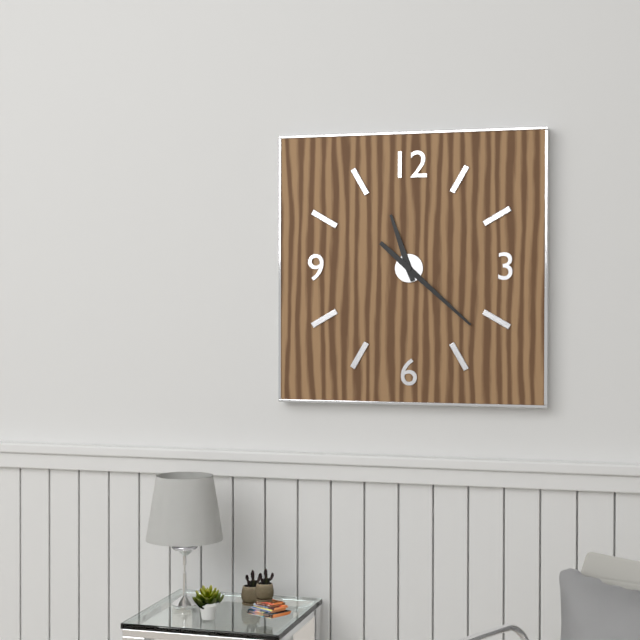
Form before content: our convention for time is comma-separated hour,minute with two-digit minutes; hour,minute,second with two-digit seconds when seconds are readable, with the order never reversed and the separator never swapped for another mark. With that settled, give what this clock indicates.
11,22
